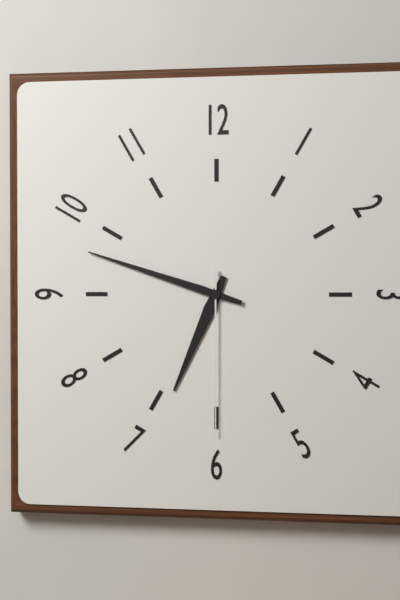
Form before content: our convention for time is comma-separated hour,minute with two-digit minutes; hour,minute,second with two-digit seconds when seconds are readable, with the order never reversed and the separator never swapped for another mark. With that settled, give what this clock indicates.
6,48,30
